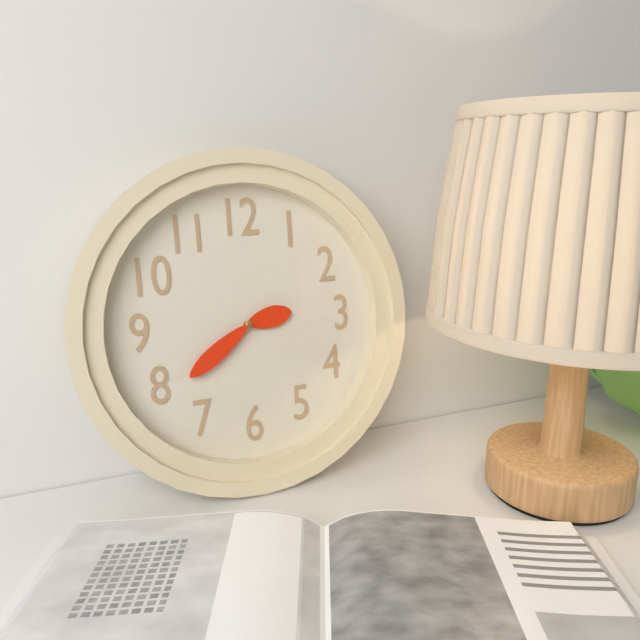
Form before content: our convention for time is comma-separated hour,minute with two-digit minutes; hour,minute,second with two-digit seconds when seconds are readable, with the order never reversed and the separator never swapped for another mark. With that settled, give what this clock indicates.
2,39
